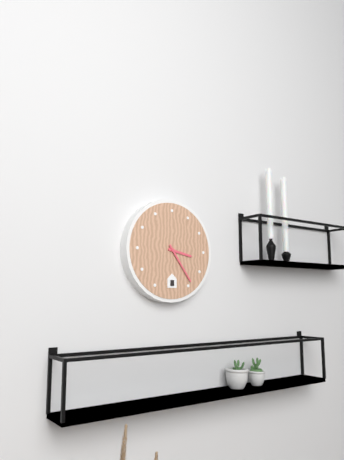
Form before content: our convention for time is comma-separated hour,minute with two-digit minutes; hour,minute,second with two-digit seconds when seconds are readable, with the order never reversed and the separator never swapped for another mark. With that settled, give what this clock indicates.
3,24
